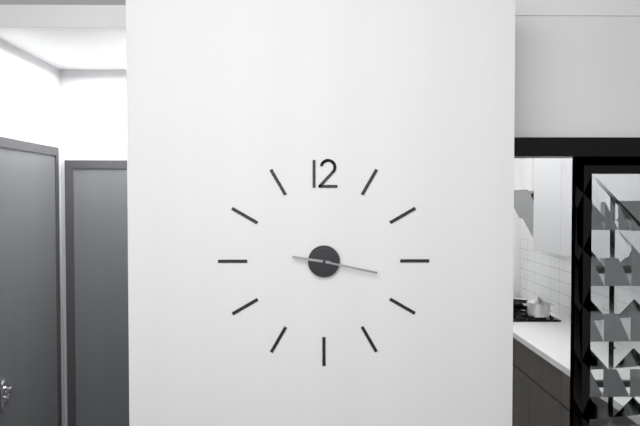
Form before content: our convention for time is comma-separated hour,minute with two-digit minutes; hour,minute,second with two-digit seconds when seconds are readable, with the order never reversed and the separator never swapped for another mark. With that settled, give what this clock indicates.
9,17
